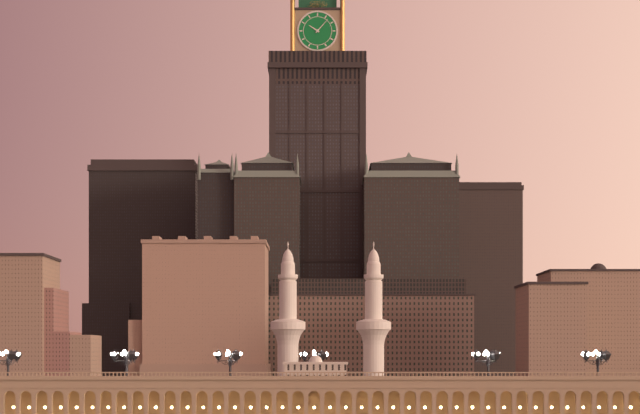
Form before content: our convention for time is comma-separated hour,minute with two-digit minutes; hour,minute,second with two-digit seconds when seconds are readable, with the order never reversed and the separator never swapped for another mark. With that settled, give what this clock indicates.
10,07
